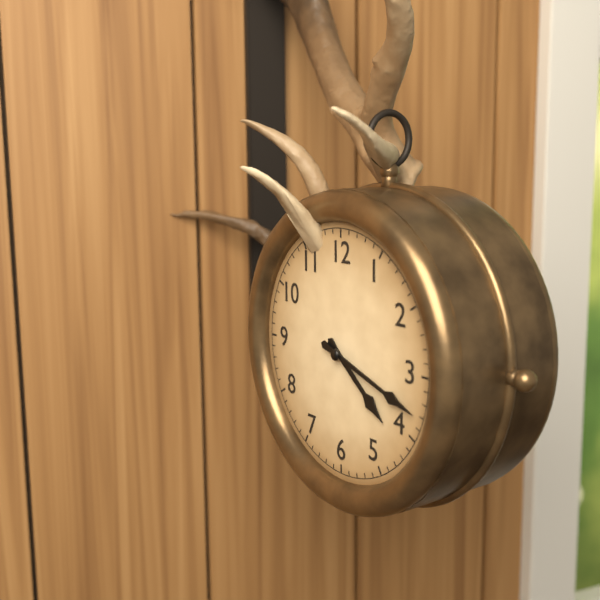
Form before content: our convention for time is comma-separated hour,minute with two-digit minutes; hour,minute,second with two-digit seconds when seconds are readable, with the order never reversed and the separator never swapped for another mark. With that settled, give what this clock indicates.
4,18
